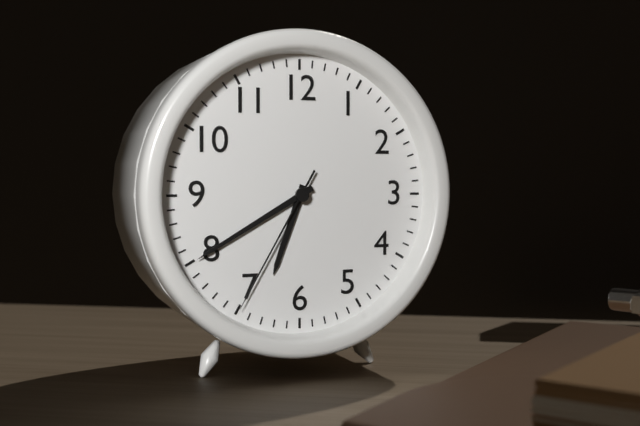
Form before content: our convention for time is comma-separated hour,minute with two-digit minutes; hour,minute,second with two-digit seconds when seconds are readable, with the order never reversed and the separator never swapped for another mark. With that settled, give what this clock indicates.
6,40,35
